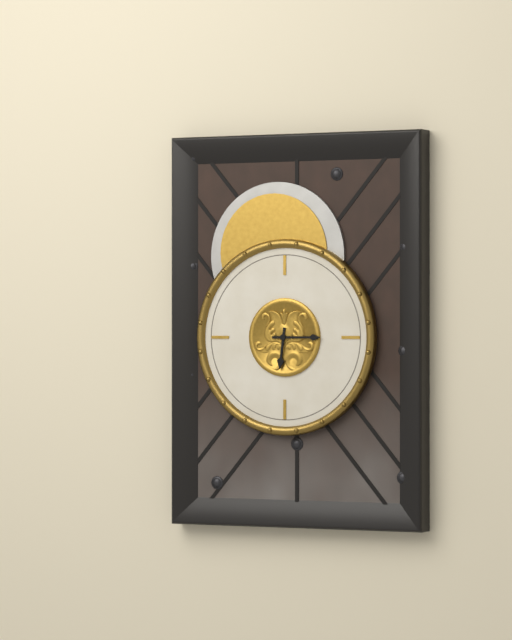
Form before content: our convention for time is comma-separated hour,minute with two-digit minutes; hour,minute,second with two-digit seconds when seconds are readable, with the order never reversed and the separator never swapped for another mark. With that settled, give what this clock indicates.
6,15
